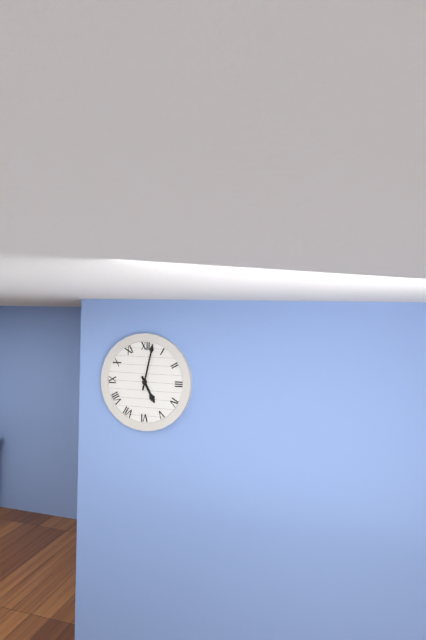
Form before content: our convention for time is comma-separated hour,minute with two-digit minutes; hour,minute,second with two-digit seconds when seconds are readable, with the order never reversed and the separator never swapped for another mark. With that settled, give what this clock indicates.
5,02
